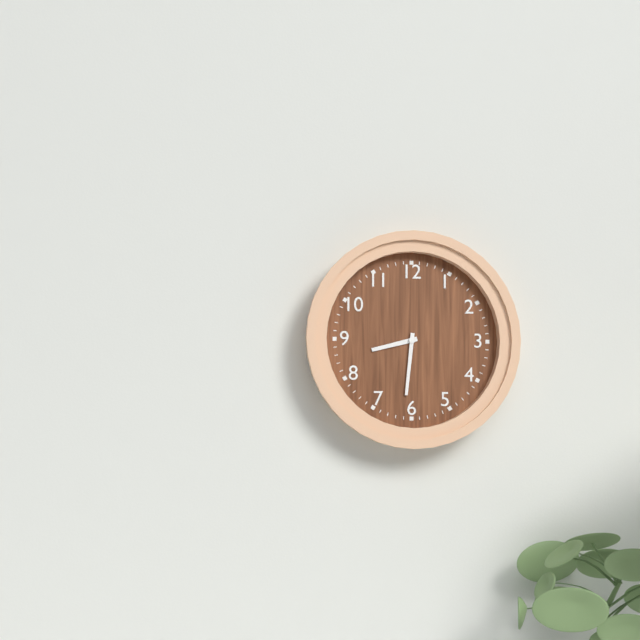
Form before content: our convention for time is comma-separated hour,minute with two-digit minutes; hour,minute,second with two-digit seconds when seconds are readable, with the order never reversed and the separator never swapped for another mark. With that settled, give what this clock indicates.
8,31
